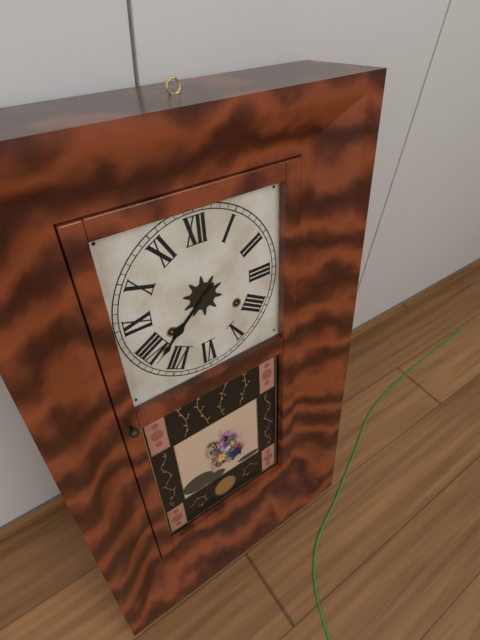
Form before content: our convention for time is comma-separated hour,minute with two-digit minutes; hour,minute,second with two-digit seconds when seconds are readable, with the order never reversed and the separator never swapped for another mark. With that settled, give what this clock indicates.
7,38
